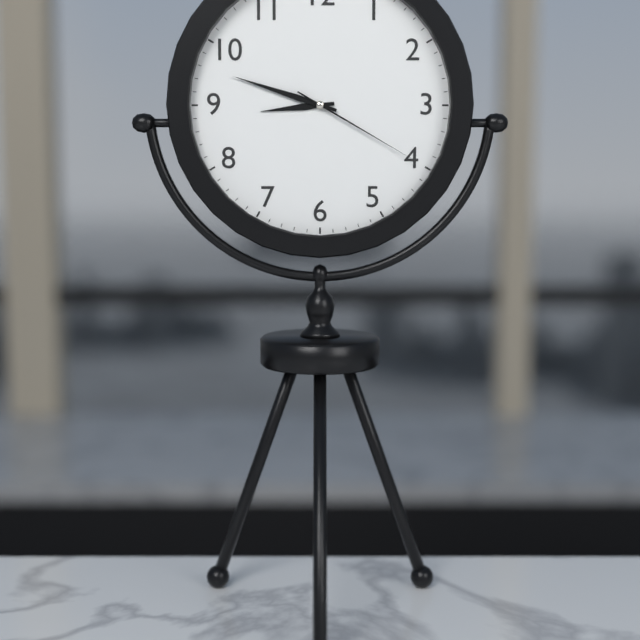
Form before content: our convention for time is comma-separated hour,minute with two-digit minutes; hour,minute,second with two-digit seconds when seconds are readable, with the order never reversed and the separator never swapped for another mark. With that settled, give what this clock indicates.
8,48,20
